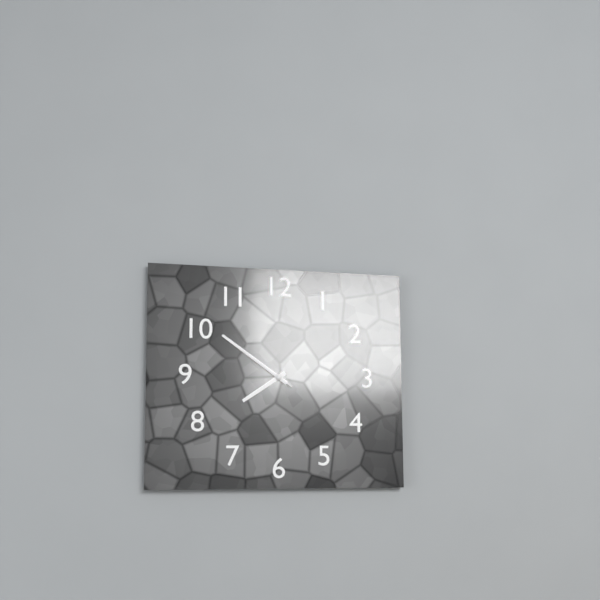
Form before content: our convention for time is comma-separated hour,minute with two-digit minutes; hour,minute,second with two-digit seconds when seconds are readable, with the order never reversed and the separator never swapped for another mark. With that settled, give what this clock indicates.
7,51,51
